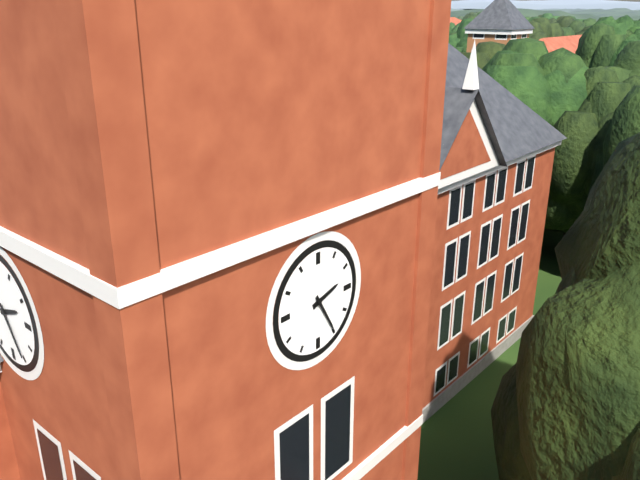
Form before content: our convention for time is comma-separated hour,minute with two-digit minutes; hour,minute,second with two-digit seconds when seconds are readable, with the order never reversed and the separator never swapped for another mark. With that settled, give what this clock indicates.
2,25
